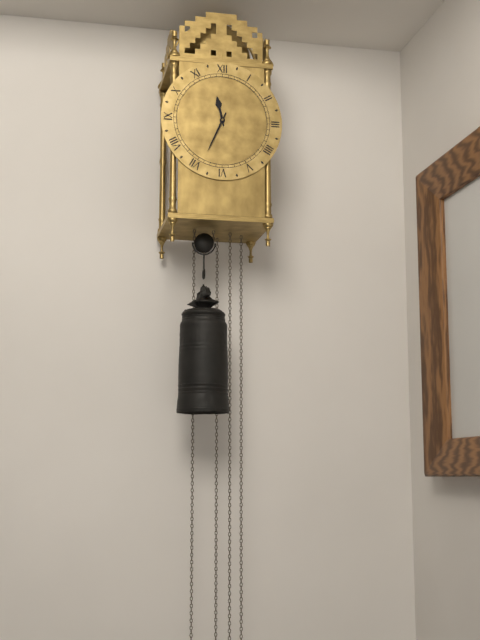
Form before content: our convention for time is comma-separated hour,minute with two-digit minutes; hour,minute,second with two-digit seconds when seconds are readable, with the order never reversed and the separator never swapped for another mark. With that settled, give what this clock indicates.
11,34
